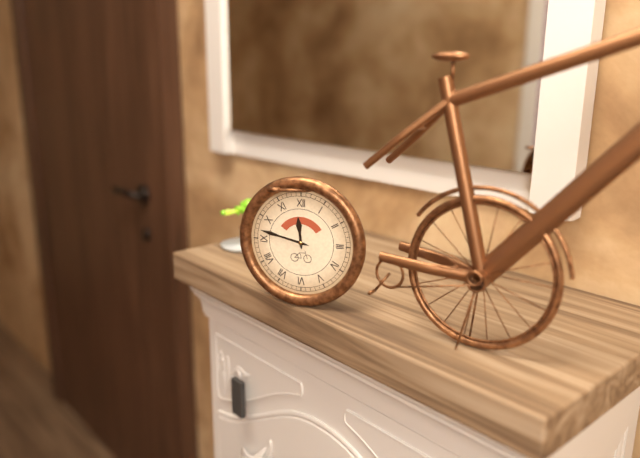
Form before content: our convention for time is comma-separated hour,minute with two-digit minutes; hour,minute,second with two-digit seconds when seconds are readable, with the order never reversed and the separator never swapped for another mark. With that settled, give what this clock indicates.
11,47
